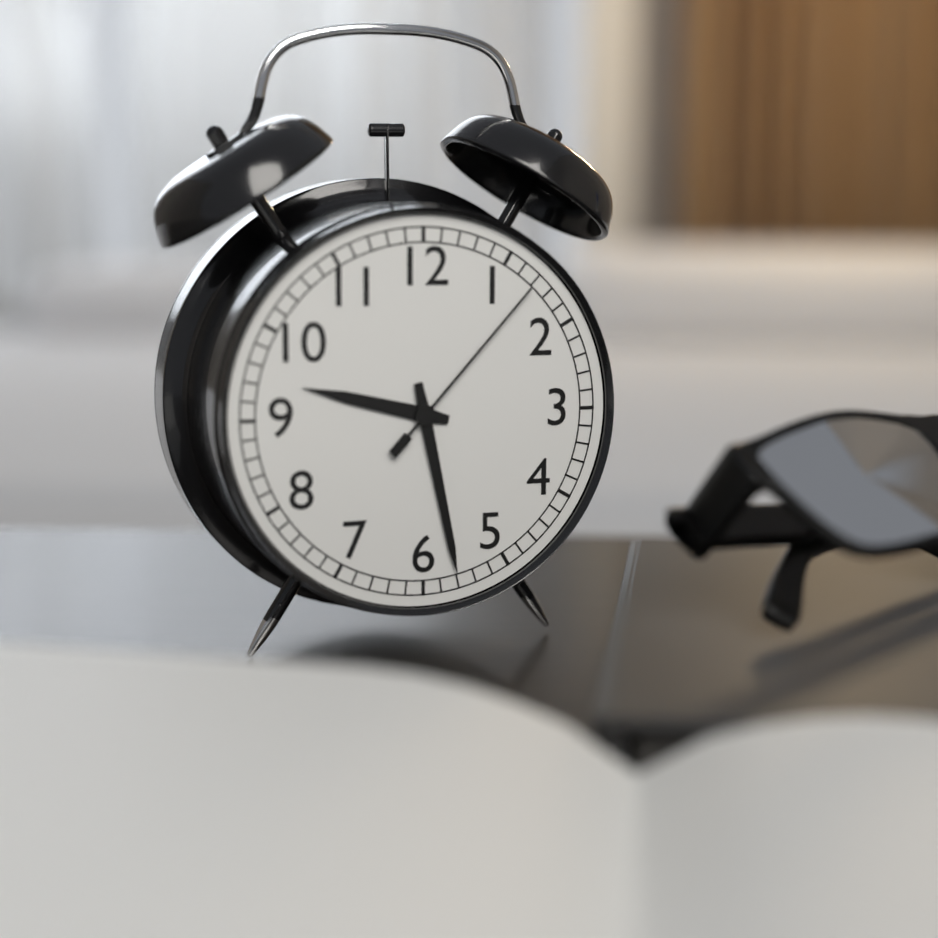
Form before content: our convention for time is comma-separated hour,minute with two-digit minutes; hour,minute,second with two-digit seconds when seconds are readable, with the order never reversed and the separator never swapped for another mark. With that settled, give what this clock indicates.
9,28,07
